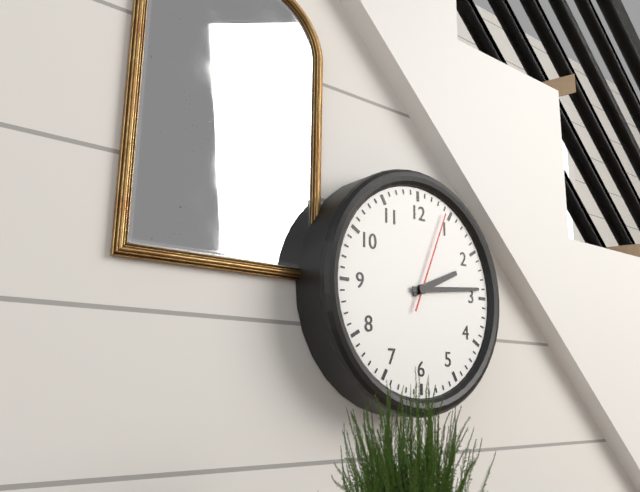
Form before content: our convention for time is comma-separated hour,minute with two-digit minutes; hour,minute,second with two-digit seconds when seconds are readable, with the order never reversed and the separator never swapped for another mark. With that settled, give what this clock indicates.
2,14,04
